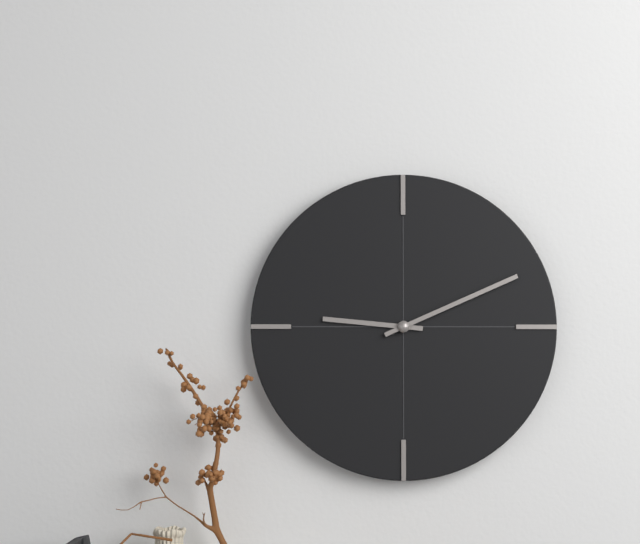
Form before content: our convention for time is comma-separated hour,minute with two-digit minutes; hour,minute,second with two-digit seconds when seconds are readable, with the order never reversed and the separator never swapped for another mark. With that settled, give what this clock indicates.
9,11
